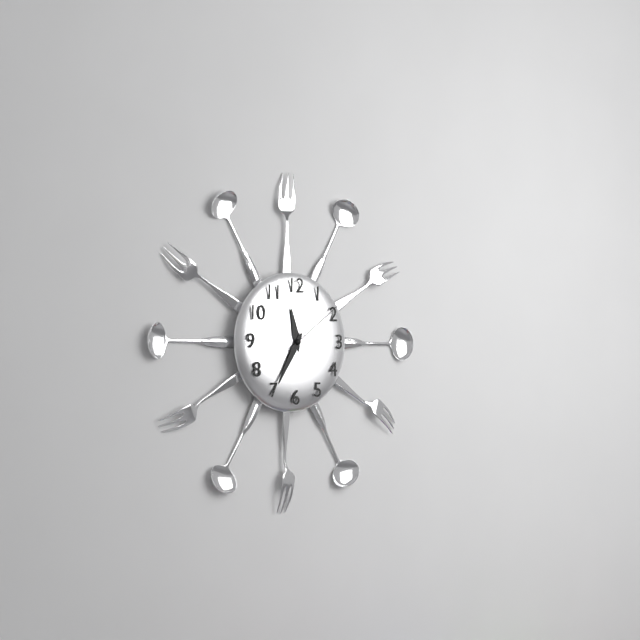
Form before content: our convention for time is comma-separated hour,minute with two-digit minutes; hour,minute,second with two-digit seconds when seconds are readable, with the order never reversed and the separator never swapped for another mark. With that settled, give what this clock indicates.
11,35,09
